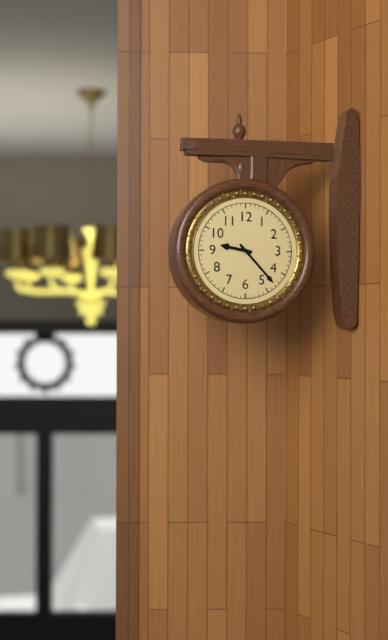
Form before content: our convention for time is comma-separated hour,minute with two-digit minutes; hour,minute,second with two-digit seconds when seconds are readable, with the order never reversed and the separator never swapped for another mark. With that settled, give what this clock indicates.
9,23
